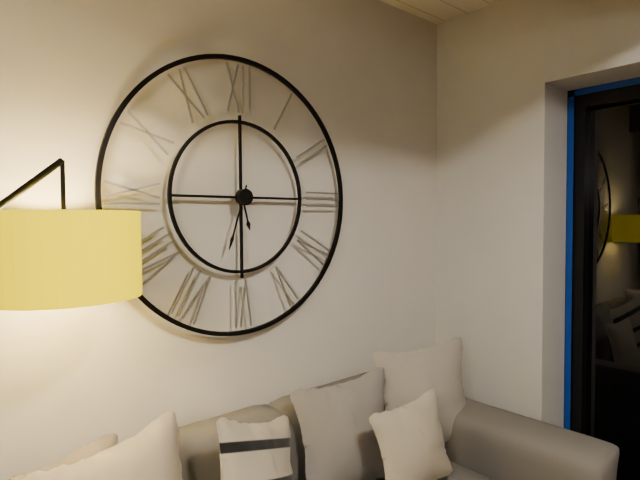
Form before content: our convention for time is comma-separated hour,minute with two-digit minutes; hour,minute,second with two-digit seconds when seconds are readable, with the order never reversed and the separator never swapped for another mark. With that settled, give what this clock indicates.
5,33
